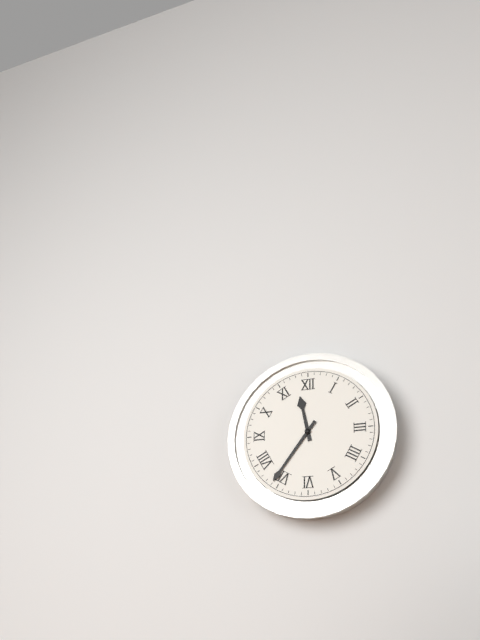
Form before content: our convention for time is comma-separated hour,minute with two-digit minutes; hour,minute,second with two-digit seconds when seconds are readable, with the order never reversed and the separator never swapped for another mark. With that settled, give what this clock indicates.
11,36
